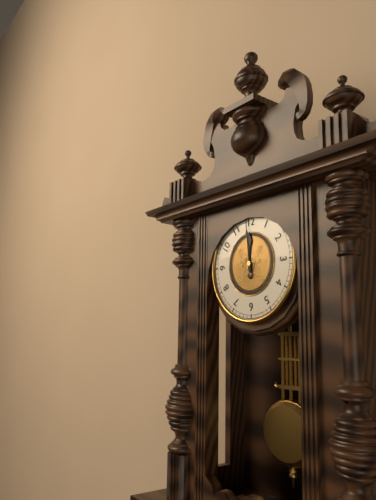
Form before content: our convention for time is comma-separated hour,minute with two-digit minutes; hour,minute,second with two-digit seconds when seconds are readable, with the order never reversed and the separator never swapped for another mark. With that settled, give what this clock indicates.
11,59
